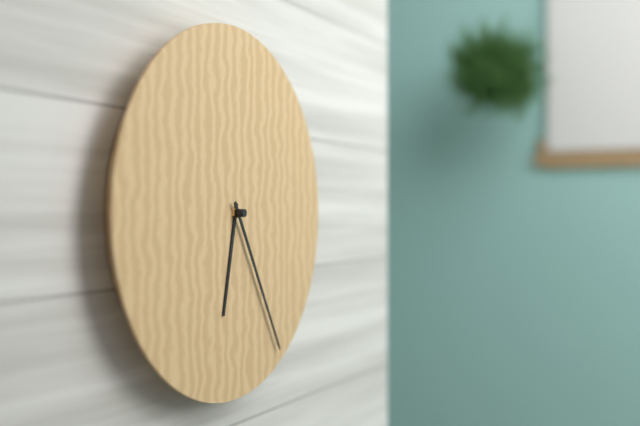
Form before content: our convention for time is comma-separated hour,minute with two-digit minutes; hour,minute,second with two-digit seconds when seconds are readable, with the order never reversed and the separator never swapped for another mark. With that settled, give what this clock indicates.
6,25
